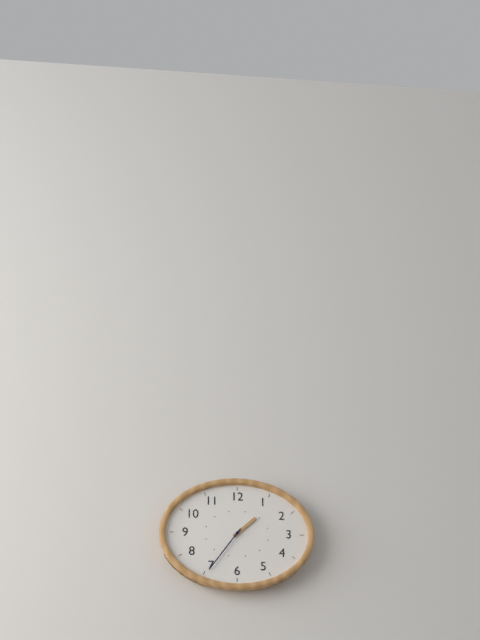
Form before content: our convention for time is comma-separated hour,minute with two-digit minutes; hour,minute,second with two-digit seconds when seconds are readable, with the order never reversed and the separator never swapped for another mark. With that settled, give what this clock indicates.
1,36
